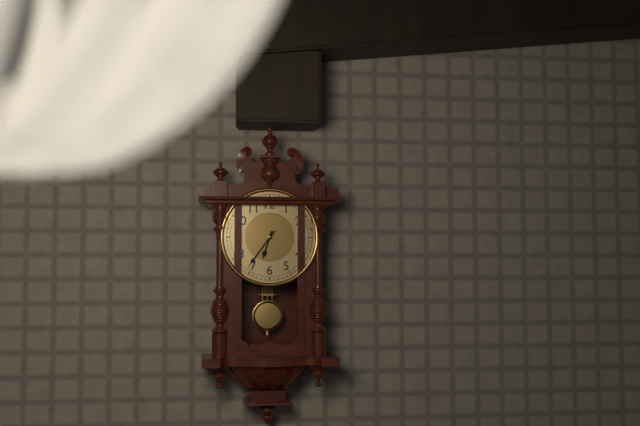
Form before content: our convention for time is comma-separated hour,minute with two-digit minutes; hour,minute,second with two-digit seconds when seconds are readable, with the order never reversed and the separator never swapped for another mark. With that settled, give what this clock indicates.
6,36
